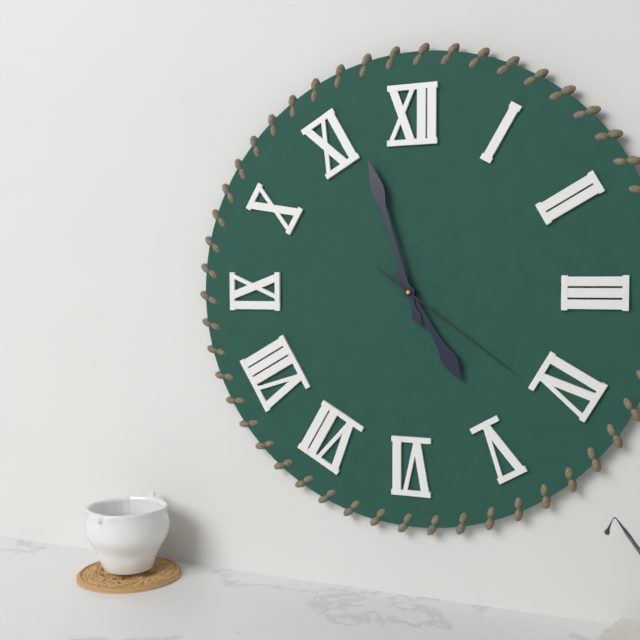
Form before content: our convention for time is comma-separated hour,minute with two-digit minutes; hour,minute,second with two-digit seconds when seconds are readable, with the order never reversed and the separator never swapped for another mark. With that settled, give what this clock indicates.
4,57,21
